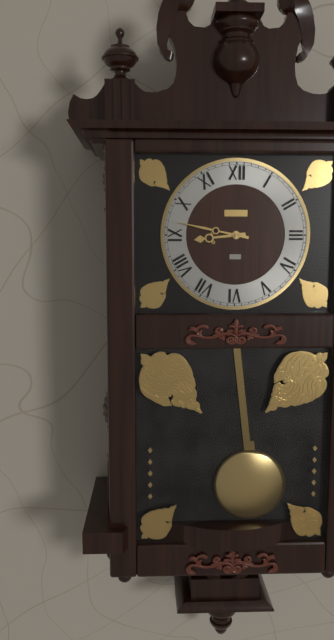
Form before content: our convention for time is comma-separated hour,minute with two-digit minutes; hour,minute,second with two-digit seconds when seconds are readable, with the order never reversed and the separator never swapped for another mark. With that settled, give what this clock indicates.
8,47
